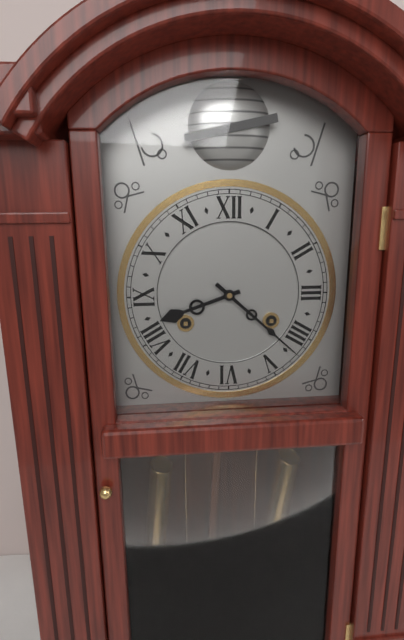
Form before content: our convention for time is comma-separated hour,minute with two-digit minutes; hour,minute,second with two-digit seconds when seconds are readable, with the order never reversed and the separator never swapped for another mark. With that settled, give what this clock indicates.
8,22
